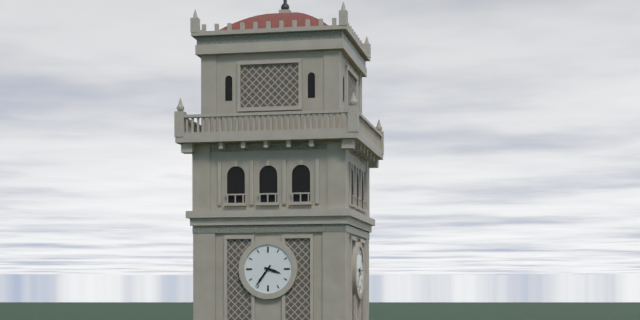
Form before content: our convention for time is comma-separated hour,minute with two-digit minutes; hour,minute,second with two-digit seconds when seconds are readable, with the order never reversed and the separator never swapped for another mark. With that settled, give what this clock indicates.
3,36
